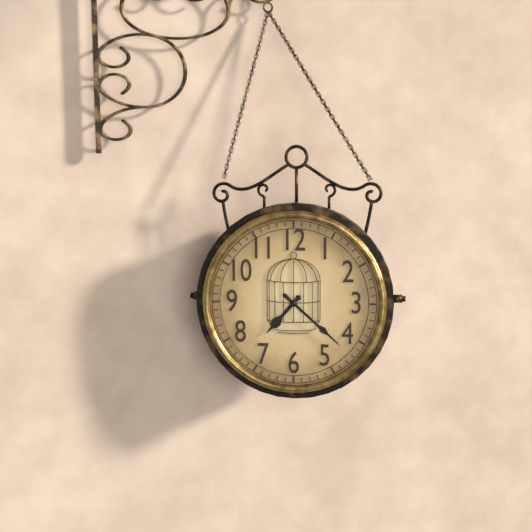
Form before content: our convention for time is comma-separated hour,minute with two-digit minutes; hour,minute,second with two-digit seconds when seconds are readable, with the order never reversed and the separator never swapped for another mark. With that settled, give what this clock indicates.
7,22
